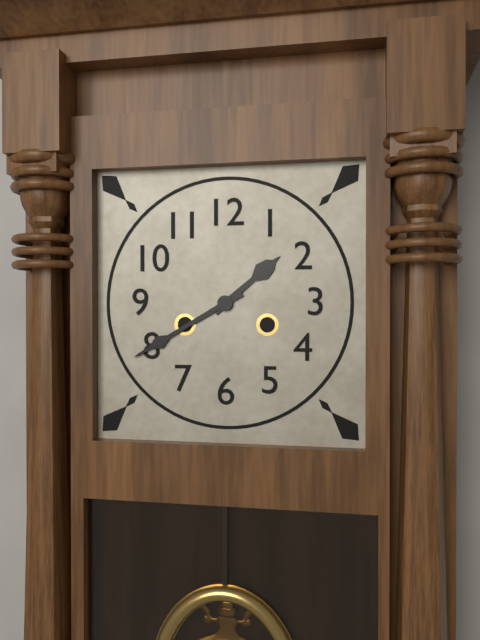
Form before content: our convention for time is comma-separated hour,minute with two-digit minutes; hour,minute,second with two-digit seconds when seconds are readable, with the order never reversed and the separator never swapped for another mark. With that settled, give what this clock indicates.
1,40
